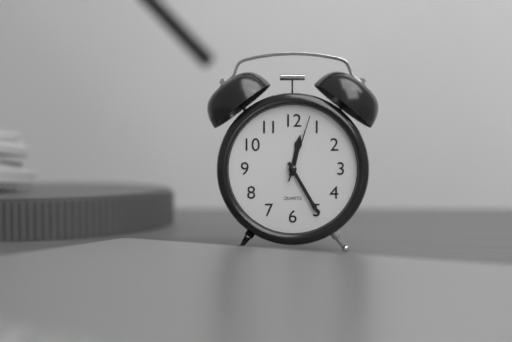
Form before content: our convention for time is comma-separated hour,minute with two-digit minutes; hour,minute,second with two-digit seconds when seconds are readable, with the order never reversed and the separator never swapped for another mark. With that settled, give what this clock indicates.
12,25,03
